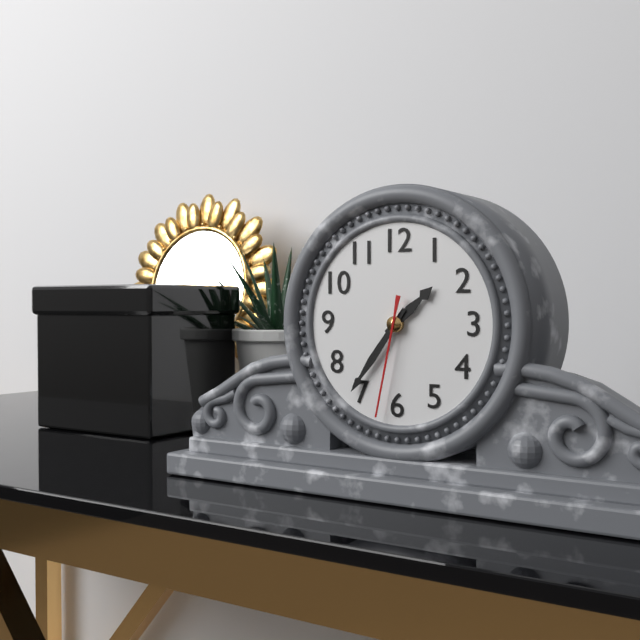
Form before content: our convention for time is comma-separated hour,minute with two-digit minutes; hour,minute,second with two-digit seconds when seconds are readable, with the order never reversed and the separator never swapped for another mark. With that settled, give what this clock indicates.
1,36,32
